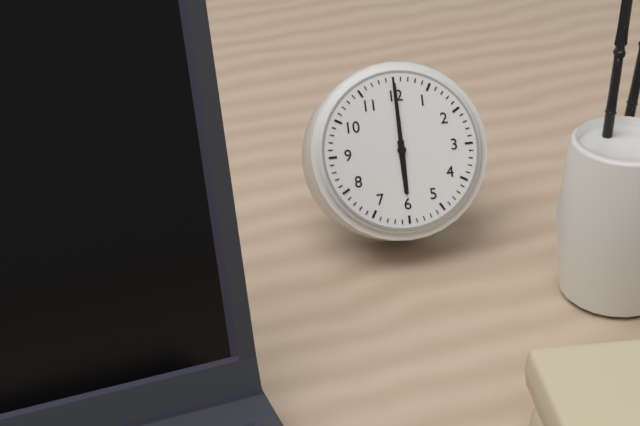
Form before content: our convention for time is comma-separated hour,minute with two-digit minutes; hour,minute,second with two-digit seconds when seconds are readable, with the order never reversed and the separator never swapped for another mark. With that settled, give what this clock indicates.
6,00
